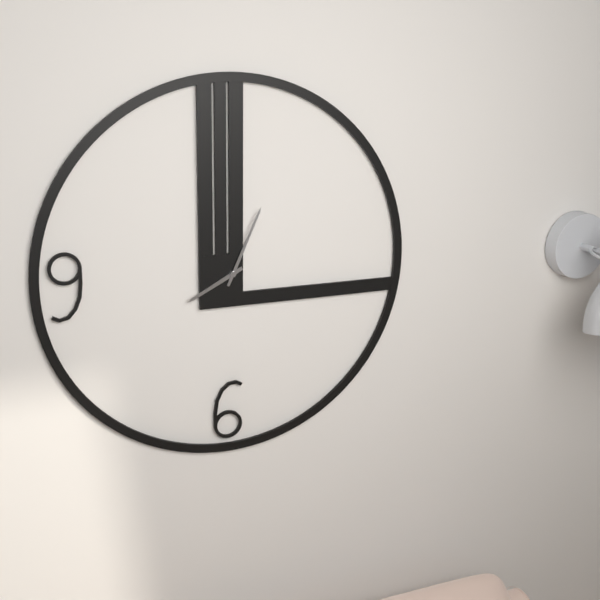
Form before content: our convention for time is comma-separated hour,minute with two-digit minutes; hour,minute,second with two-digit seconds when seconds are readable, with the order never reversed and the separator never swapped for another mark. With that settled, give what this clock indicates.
8,04
